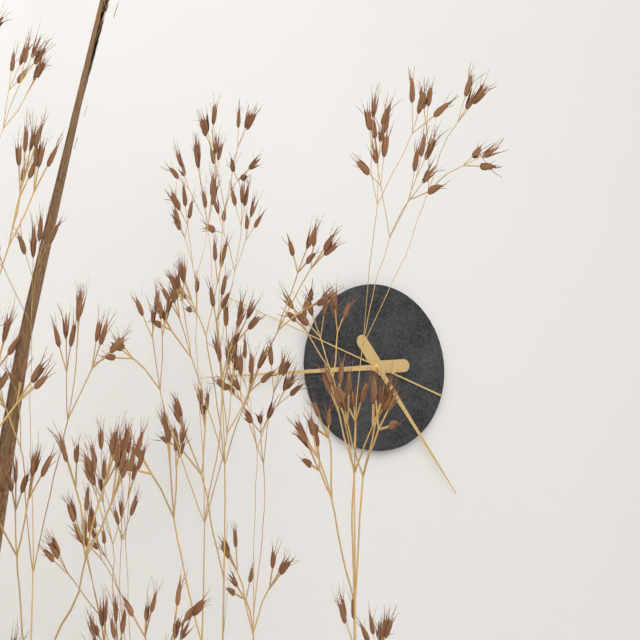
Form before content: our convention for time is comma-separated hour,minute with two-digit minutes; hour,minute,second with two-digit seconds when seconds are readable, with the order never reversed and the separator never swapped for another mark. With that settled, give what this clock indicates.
4,44,48
